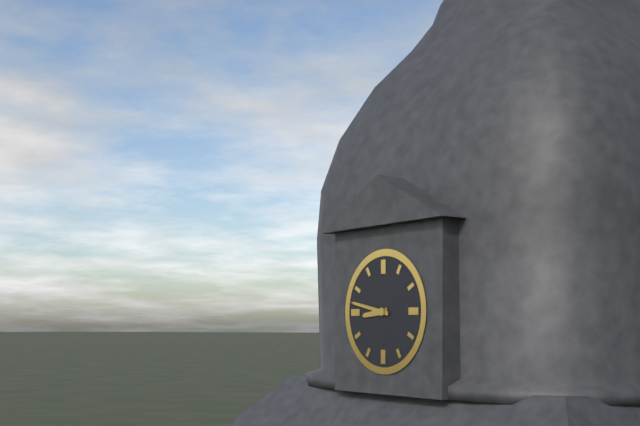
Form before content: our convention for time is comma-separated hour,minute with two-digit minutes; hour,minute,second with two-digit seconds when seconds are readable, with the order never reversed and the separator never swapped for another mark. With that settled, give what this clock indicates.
8,47
